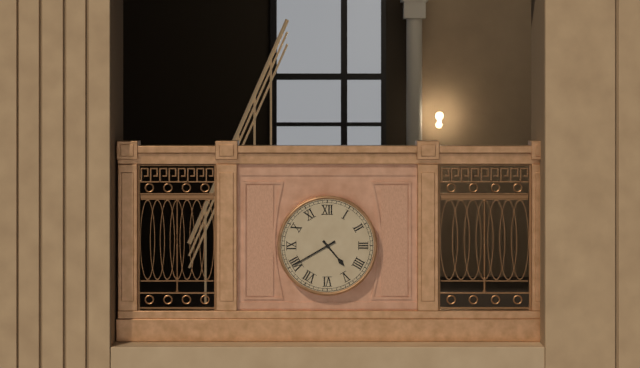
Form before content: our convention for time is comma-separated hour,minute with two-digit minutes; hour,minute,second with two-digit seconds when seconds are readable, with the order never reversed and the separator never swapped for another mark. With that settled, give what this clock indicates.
4,40
